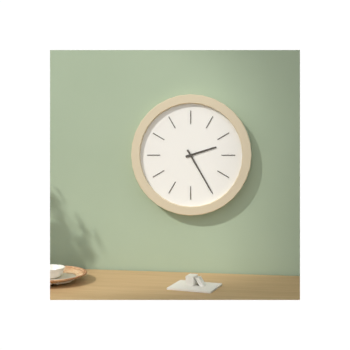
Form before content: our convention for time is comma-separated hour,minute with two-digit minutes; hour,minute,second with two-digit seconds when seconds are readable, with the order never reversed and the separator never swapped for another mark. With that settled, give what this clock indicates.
2,25
